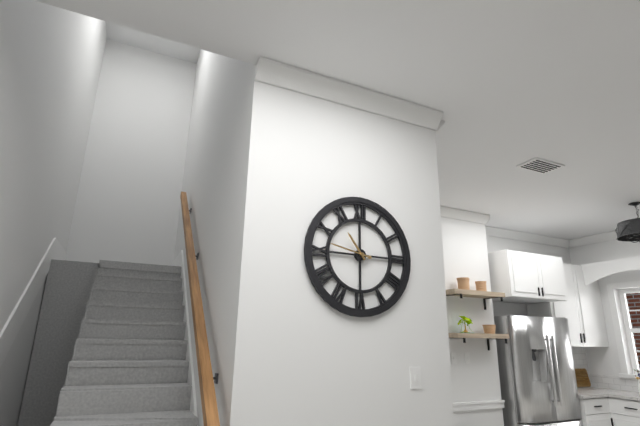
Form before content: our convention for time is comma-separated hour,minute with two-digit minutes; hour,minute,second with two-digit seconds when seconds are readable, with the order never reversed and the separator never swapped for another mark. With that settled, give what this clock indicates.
10,47
